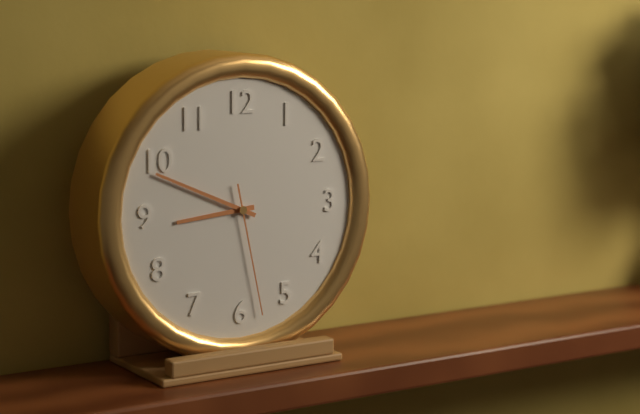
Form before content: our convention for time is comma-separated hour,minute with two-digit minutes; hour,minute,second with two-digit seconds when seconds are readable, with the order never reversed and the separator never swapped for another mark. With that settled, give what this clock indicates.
8,49,28
